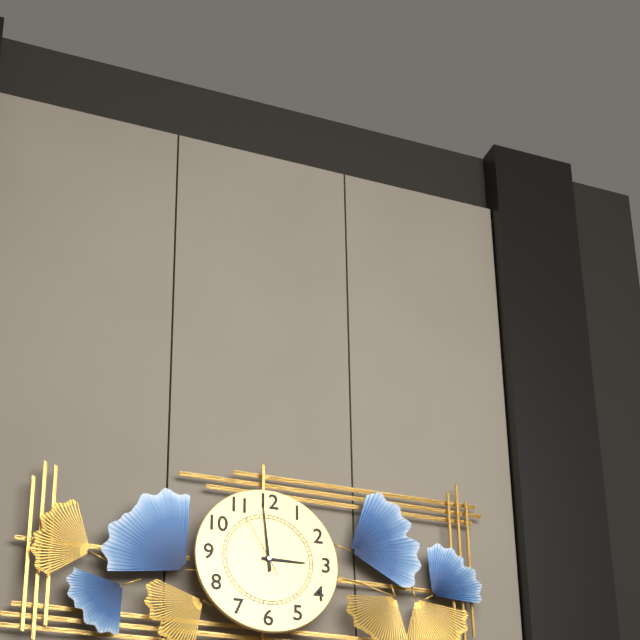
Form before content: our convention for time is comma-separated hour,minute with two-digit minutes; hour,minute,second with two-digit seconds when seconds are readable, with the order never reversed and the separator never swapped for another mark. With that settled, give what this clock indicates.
2,59,55
